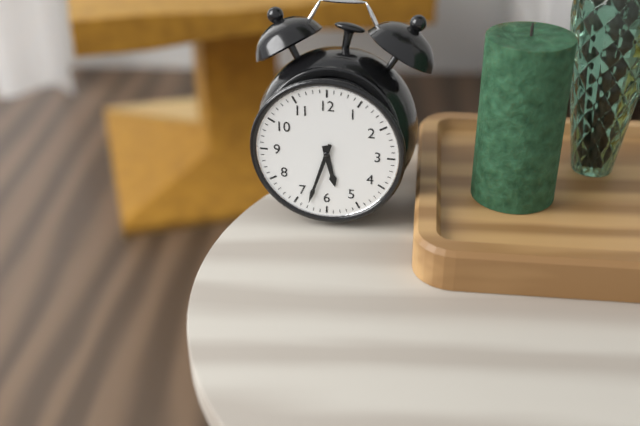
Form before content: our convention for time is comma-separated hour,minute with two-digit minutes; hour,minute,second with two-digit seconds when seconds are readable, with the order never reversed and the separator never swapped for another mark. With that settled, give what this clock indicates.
5,33
